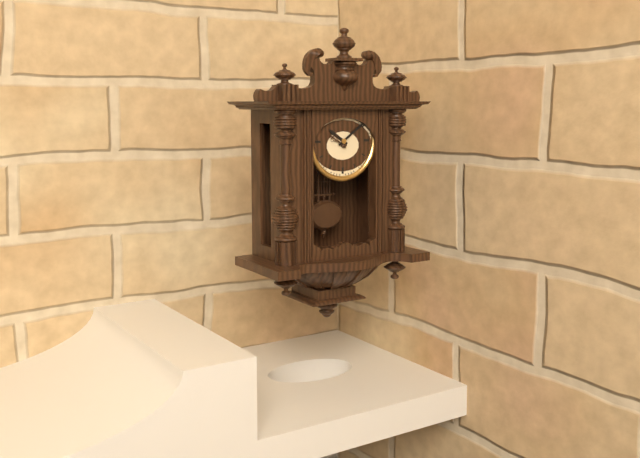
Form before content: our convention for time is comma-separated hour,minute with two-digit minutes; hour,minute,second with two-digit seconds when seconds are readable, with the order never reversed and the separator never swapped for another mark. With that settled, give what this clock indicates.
10,09
